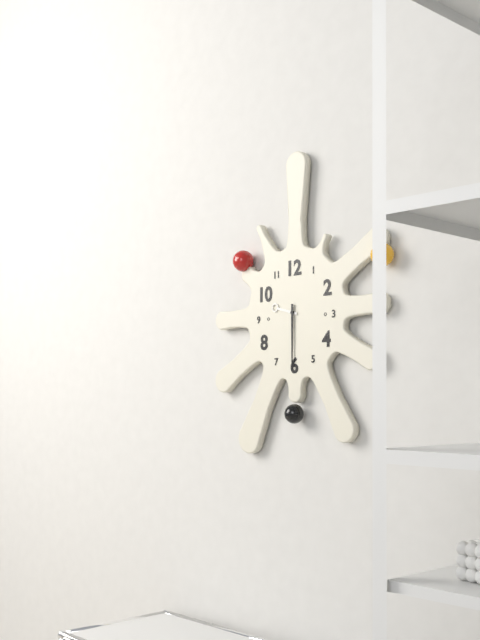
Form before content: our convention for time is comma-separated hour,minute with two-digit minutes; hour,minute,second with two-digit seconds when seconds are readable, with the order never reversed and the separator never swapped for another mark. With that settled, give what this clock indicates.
9,30
